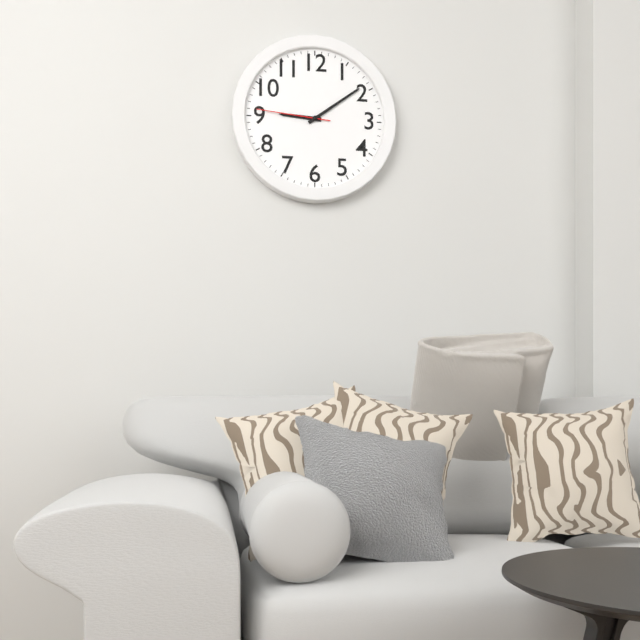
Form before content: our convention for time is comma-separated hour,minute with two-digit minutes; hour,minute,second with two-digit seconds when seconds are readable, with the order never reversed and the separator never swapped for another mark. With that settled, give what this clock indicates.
9,09,46
